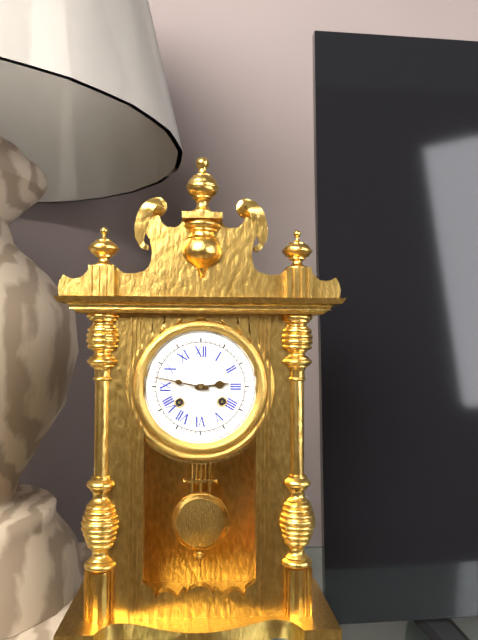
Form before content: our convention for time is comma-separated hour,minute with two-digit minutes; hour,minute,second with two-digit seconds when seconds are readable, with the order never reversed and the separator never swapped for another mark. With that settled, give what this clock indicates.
2,47
